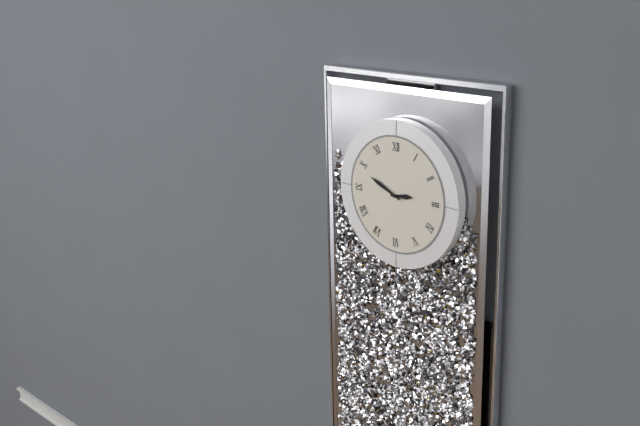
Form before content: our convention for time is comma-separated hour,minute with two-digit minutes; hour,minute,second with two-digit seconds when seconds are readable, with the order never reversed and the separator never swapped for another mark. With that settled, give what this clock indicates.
2,49
